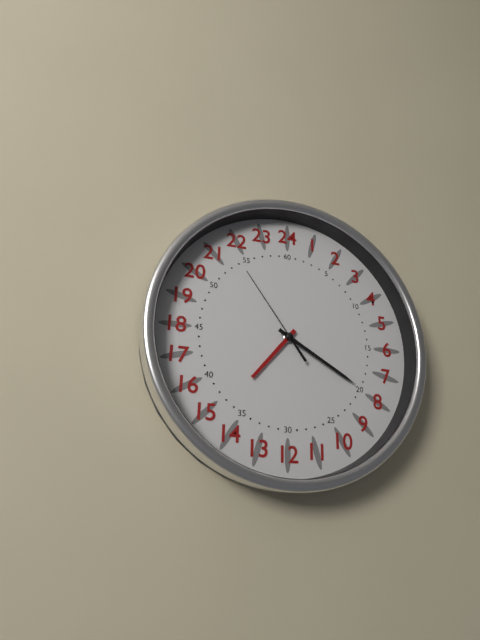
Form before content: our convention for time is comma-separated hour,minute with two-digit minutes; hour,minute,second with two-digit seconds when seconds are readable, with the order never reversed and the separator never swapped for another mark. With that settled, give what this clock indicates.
7,20,54
